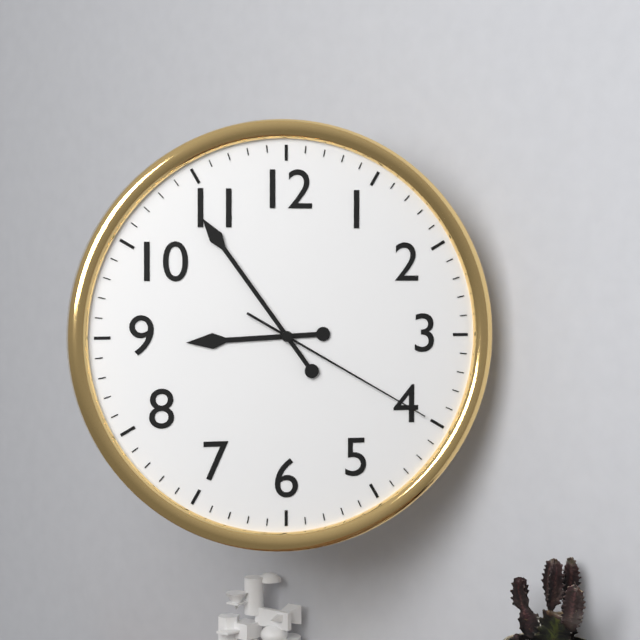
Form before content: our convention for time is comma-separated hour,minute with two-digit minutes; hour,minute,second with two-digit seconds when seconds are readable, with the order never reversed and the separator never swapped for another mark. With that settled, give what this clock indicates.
8,54,20
